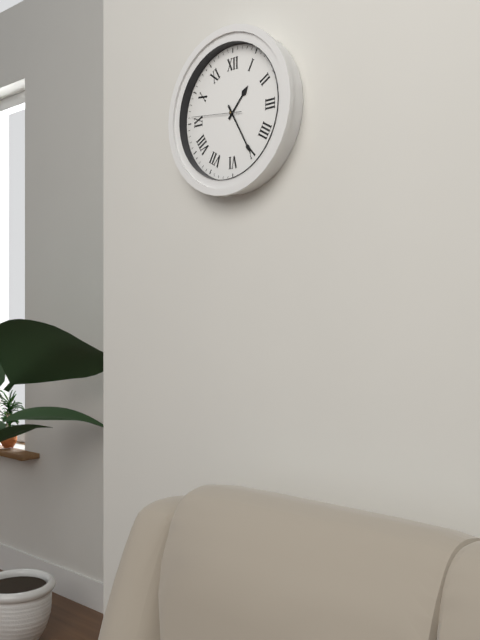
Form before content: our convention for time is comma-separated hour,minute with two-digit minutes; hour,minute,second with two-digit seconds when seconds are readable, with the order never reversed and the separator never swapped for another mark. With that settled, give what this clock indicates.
1,25,46
